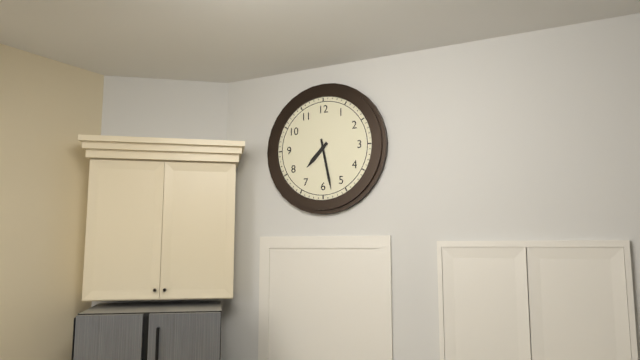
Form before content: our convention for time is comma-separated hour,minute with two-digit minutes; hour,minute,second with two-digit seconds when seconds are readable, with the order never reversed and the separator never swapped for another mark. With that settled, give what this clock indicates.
7,28
